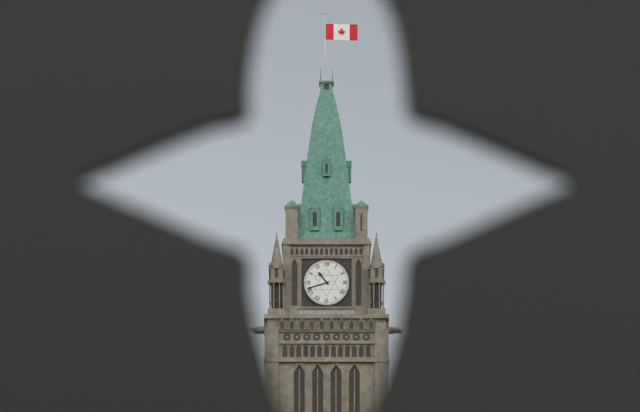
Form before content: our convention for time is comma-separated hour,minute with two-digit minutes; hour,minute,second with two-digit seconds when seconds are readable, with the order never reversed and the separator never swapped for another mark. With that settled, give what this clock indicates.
10,42
